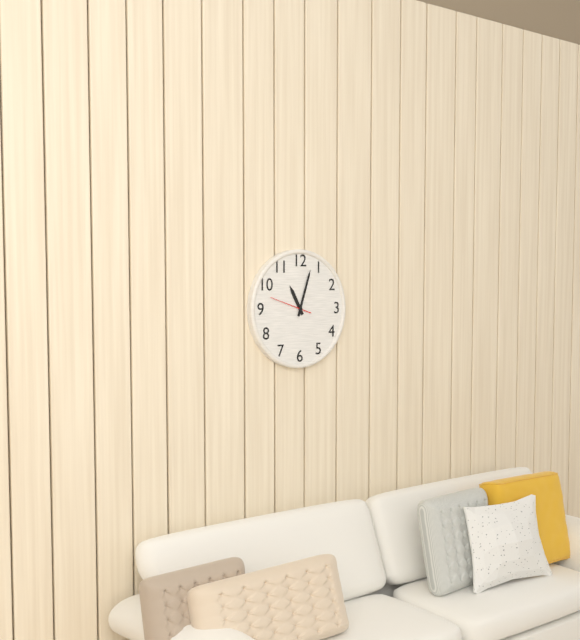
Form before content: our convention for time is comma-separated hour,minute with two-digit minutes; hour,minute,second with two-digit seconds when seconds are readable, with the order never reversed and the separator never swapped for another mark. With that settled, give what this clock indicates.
11,03
